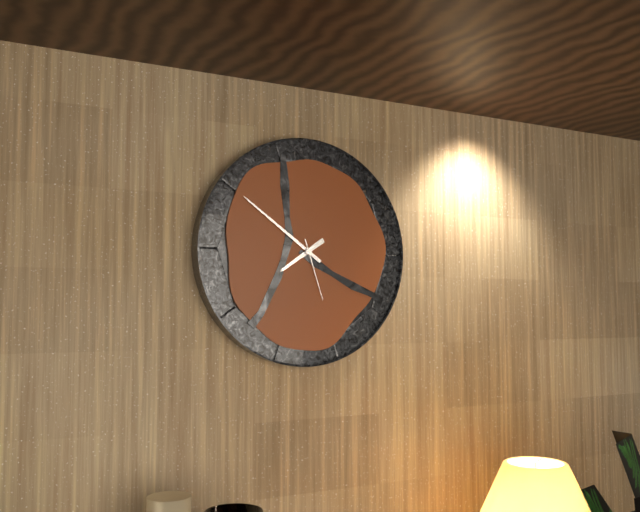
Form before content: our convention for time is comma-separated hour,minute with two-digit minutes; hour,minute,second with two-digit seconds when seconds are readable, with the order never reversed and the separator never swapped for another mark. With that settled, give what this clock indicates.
7,51,27
